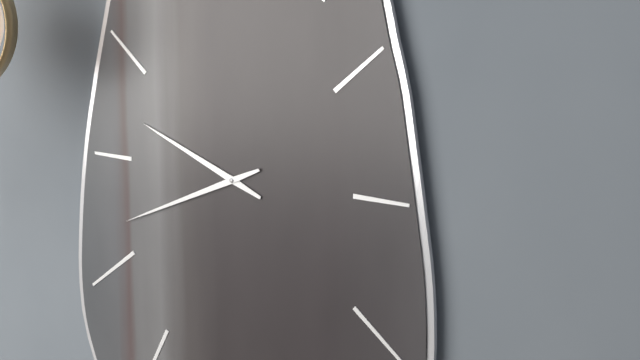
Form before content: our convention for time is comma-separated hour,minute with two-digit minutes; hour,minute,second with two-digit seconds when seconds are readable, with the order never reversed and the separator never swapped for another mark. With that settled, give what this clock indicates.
9,41
